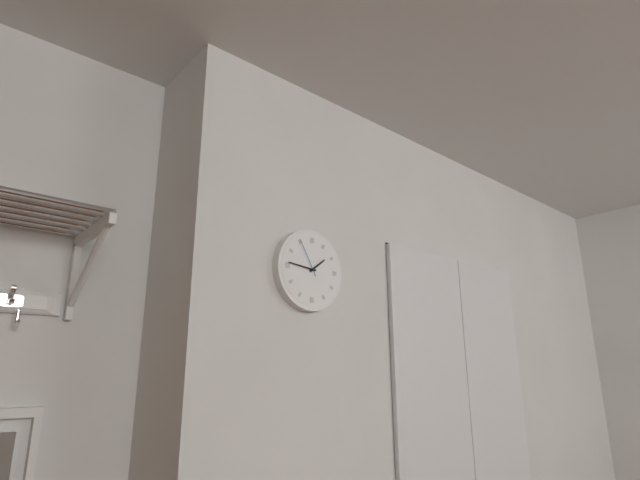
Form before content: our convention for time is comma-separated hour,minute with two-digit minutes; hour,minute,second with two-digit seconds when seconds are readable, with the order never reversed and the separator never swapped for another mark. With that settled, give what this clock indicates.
1,46
